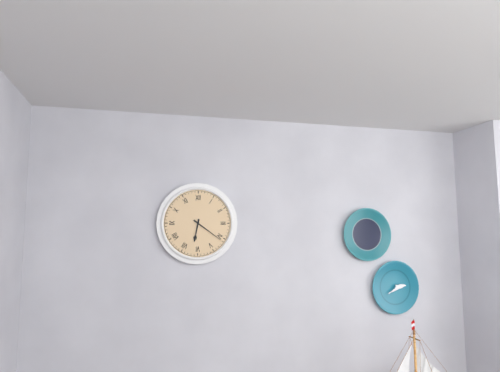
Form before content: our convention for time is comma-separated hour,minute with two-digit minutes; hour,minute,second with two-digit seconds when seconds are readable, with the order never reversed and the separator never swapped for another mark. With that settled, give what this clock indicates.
6,21
